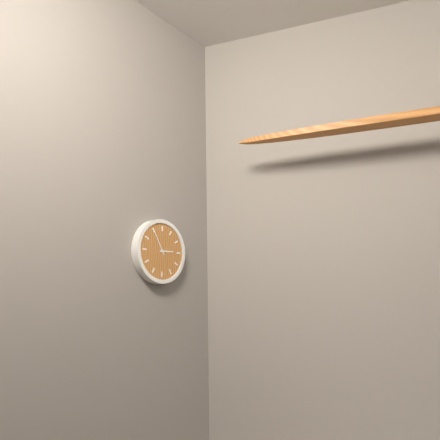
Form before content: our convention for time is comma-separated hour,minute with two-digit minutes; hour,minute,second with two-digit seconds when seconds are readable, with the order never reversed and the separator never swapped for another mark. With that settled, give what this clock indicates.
2,55
